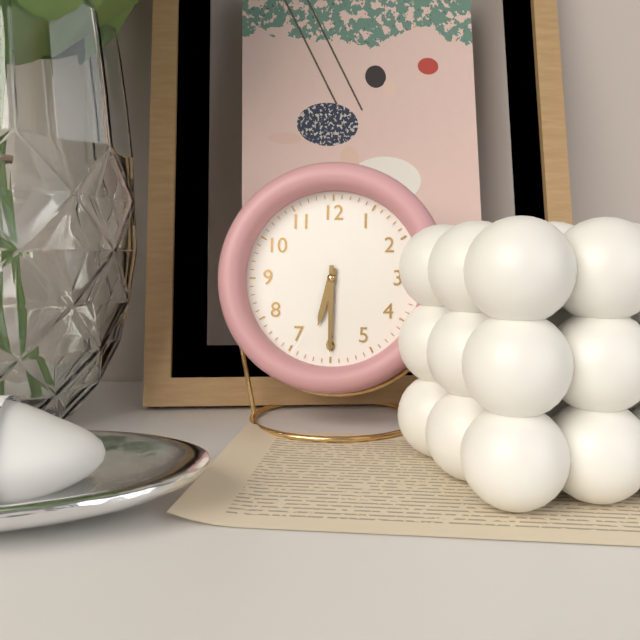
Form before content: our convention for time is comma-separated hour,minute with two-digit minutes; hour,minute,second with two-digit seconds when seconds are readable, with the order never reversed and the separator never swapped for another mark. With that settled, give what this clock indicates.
6,30
